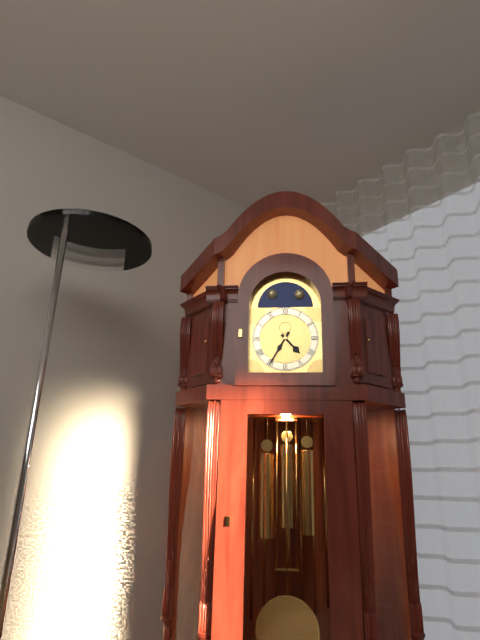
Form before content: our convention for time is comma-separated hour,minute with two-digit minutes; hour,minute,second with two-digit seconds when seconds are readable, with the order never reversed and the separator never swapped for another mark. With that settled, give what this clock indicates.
4,35
